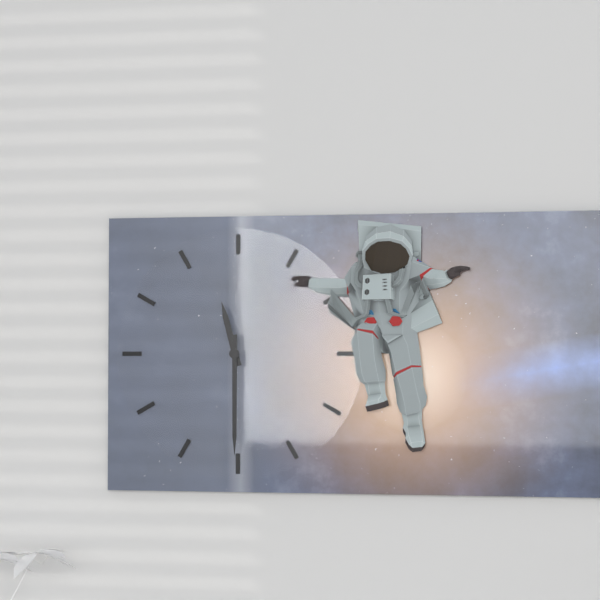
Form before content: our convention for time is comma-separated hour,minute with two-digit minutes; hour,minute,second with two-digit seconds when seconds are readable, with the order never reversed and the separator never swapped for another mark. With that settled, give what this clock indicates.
11,30
